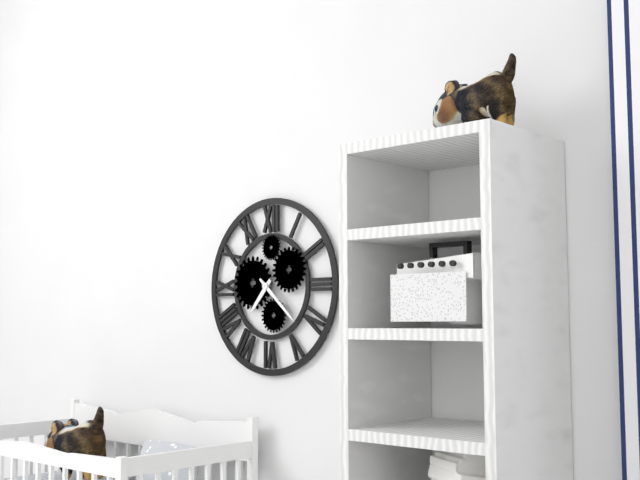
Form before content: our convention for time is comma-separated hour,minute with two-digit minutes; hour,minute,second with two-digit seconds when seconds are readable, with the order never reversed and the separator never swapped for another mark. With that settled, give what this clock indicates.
7,22
